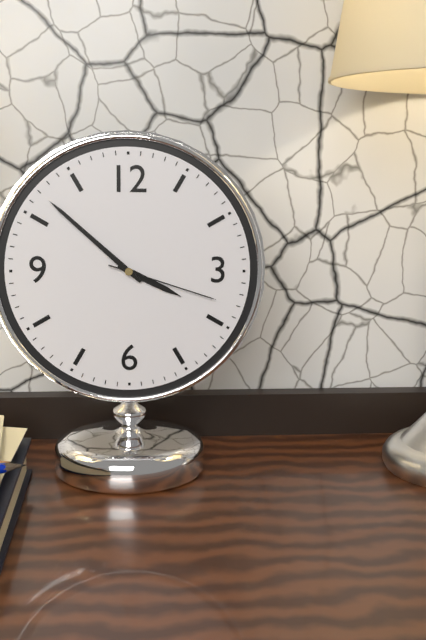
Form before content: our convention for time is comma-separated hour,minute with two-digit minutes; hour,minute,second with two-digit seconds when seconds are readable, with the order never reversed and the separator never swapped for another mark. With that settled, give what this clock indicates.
3,52,18
